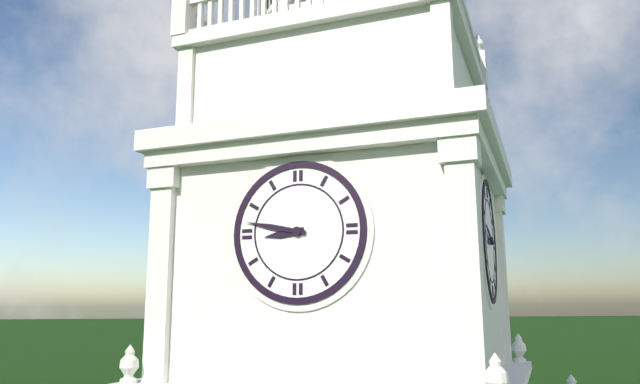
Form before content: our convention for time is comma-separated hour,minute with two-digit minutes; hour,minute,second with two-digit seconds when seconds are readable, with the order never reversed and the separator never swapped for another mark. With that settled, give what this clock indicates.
8,47
